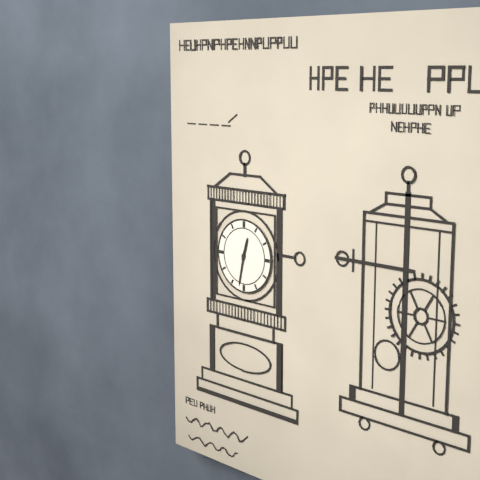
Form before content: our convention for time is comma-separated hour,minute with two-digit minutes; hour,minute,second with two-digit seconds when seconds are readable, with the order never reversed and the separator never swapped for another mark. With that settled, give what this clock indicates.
12,32
